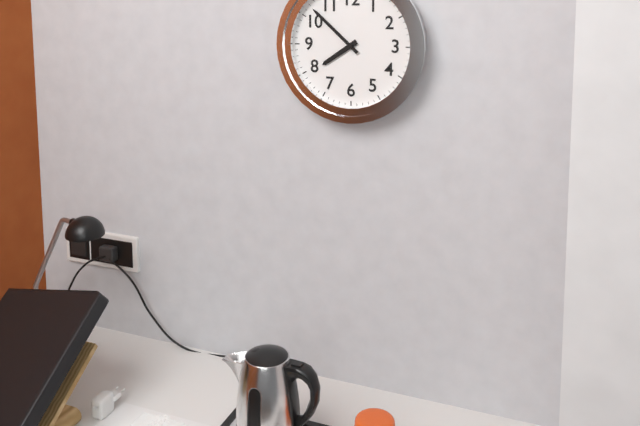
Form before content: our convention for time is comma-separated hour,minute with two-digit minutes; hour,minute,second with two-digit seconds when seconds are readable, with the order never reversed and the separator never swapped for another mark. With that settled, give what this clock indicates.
7,52
